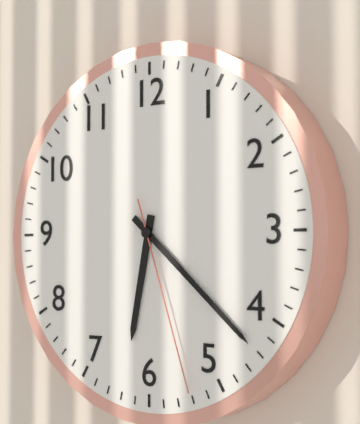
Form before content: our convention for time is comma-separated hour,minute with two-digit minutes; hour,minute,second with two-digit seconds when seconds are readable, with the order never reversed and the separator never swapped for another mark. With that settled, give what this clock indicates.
6,22,27
